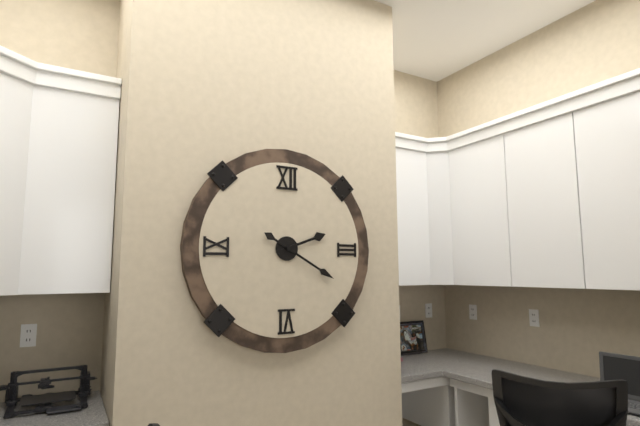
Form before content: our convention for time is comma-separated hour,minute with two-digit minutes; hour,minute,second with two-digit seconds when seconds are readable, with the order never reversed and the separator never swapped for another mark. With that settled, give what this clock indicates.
2,20
